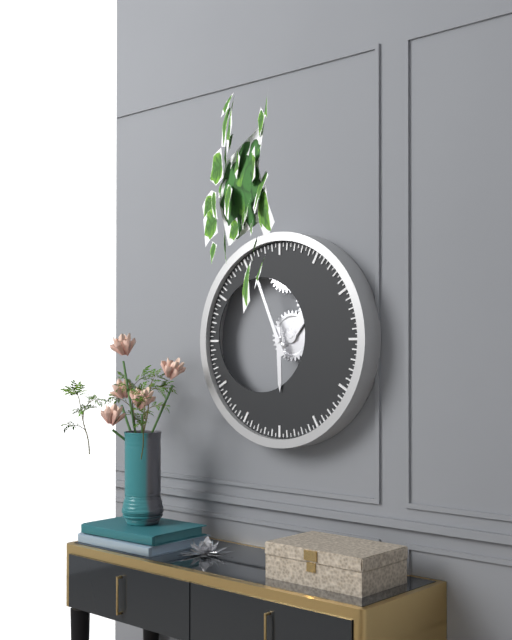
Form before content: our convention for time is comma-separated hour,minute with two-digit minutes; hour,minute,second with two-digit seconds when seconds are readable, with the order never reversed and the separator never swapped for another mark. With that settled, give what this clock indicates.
5,56
